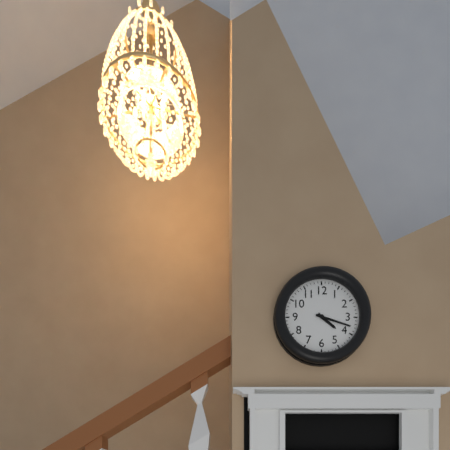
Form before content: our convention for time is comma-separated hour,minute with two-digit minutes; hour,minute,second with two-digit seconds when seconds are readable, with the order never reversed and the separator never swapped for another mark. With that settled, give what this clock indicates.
4,18
